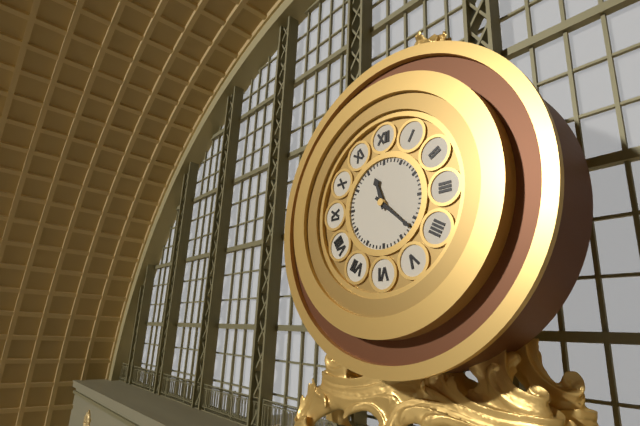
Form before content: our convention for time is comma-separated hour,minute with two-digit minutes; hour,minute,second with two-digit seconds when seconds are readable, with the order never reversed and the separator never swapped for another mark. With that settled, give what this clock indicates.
11,22
